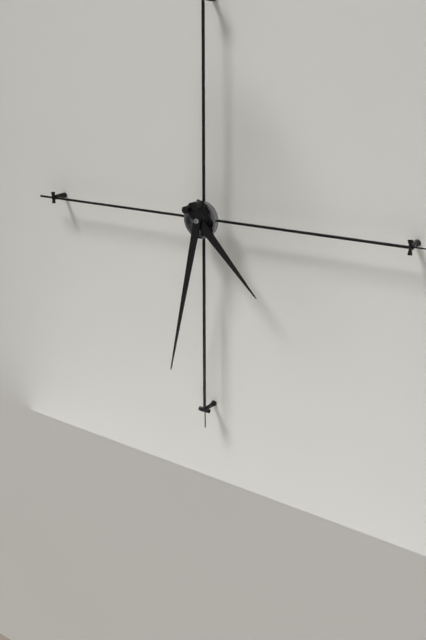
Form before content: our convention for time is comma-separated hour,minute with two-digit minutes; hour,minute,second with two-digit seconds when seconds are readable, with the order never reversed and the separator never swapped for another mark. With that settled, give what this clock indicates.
4,32
